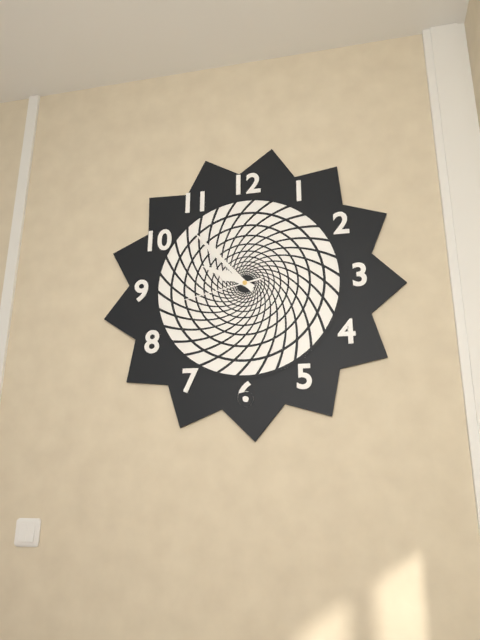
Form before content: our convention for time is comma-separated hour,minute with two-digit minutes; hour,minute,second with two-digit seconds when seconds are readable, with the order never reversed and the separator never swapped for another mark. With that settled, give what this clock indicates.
9,53,43
